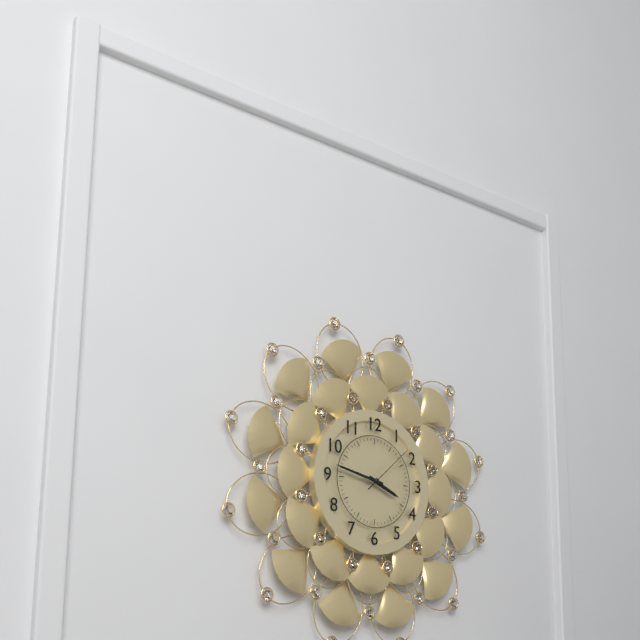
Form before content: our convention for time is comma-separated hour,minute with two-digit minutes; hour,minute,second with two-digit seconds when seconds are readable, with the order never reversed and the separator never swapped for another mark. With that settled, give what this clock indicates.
3,47,08
